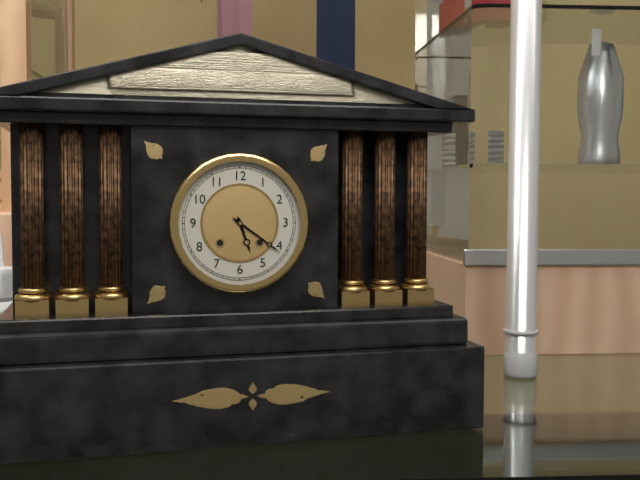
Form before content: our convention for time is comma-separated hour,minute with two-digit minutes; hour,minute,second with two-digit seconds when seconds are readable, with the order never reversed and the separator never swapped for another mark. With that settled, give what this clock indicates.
5,21
